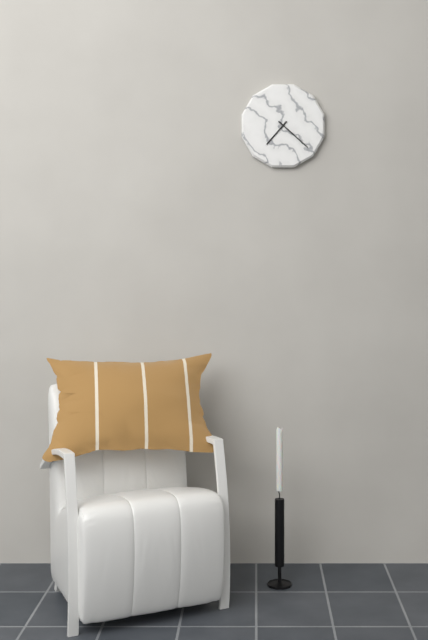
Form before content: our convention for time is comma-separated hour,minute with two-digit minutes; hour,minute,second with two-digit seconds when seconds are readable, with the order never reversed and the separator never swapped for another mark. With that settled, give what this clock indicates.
7,22
